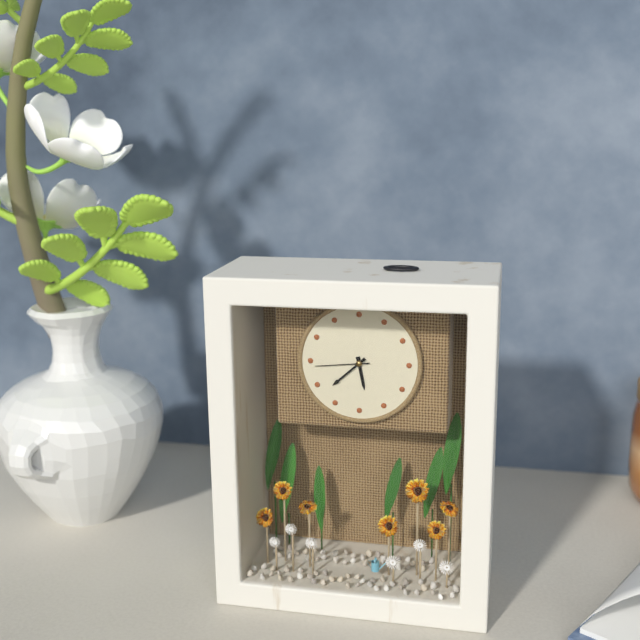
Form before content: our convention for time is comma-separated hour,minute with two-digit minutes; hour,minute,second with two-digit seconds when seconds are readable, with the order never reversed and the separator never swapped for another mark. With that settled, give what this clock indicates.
5,38,44
